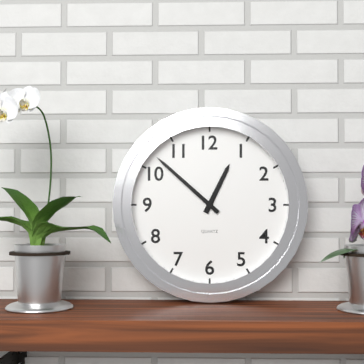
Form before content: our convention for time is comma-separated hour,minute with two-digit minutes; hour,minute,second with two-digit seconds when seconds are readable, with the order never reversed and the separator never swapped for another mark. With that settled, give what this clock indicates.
12,52
